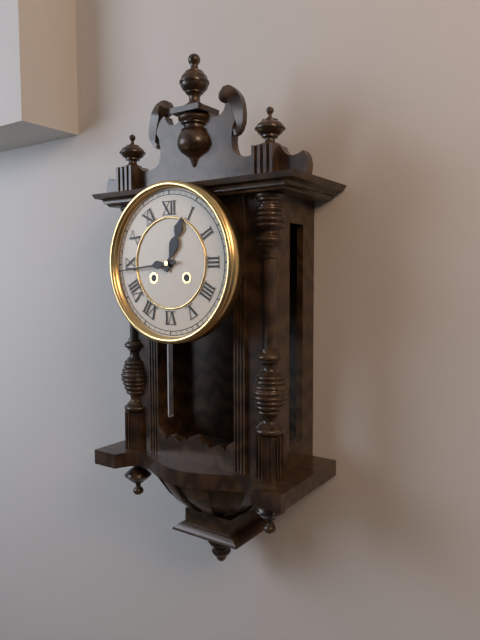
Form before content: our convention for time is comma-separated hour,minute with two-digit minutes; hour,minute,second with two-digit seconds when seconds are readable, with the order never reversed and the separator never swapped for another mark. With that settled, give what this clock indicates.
12,44
